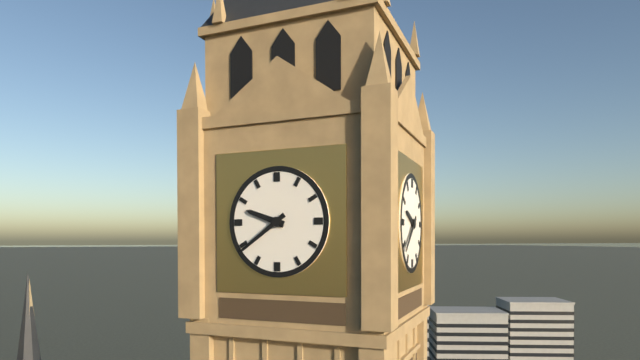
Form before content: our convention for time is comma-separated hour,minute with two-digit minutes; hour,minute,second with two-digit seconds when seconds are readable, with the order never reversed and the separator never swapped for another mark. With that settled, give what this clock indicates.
9,39
